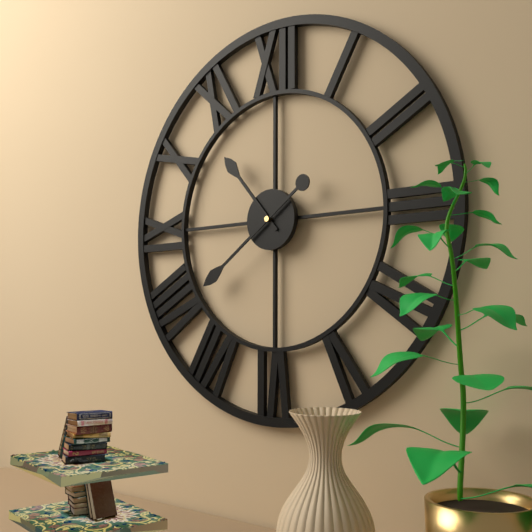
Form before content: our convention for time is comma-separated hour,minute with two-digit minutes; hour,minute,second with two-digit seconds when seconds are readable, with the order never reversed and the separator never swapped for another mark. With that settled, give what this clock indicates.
10,39
